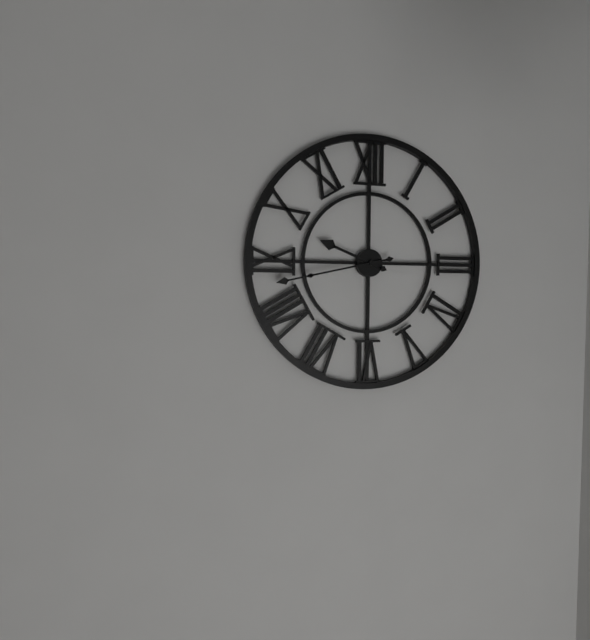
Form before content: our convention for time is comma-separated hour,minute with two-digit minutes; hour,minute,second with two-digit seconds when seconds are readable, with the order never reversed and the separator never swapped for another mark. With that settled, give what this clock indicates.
9,43
